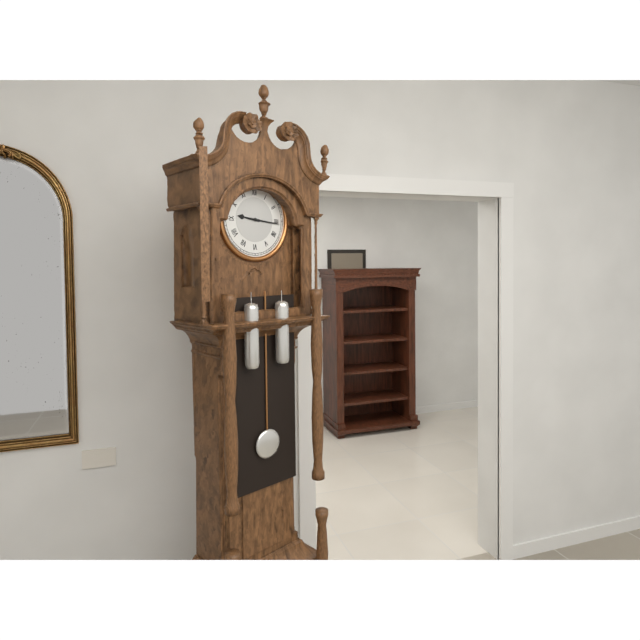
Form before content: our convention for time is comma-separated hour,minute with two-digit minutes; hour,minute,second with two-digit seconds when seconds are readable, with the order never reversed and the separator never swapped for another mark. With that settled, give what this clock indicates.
9,16
